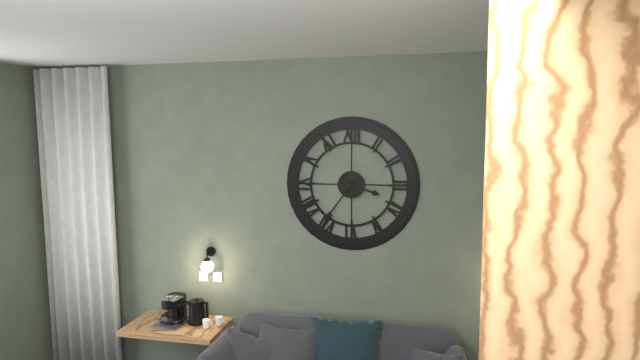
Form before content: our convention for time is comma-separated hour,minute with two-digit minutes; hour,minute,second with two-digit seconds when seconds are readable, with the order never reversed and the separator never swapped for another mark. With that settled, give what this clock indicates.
3,36
